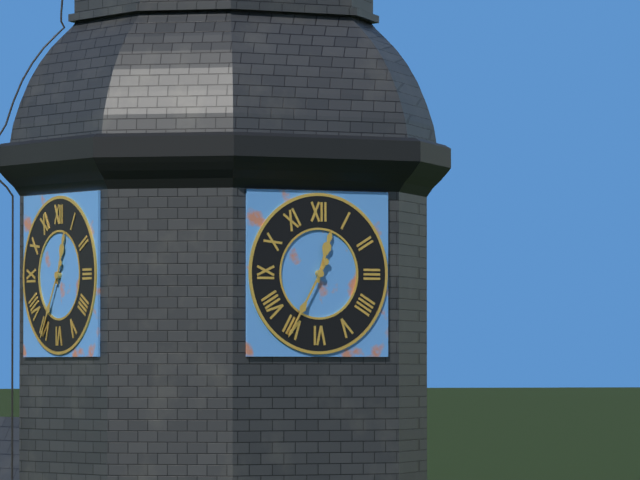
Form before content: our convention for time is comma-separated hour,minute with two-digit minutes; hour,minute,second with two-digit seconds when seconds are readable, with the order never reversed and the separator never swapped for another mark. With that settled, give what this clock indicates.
12,35
